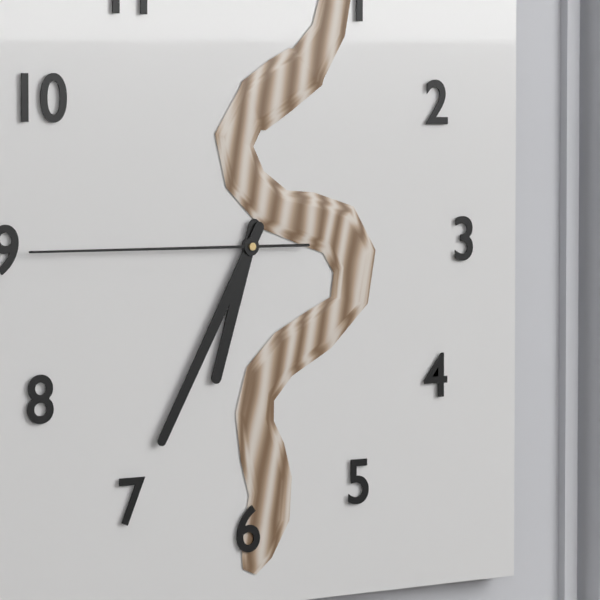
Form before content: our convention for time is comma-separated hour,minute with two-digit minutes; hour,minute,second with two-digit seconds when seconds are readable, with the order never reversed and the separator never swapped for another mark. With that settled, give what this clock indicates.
6,35,45
